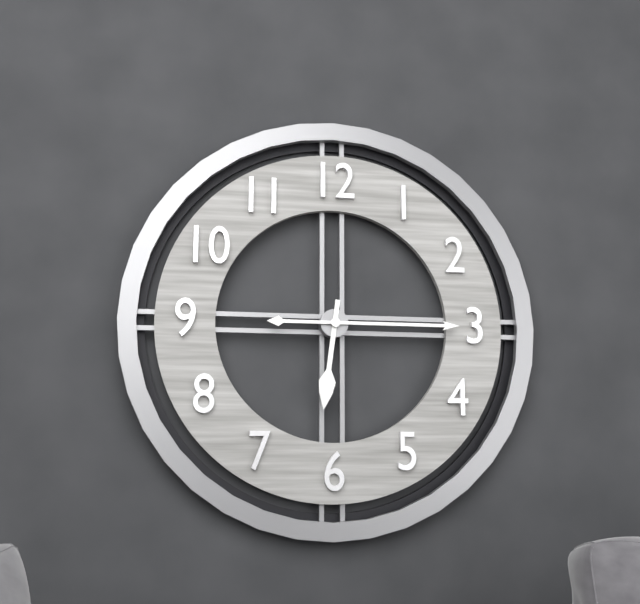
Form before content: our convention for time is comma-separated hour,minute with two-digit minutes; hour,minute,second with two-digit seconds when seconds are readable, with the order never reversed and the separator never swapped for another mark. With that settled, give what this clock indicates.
6,15
